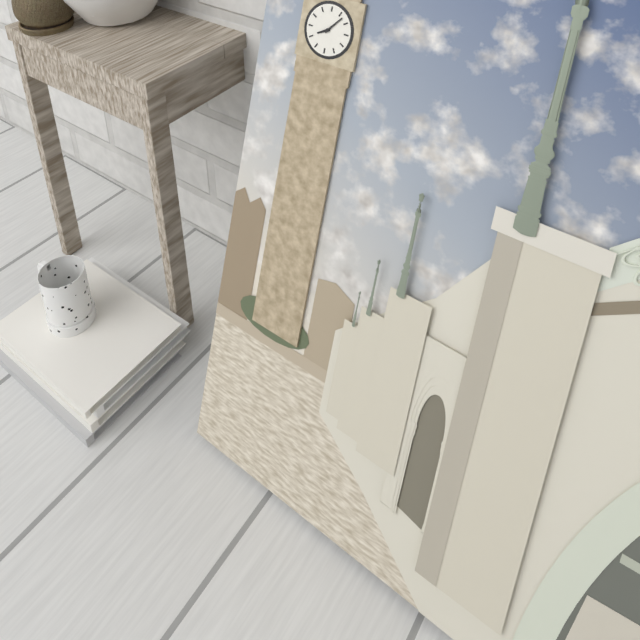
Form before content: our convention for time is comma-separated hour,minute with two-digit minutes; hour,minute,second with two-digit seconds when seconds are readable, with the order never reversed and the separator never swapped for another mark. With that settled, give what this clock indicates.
8,07
